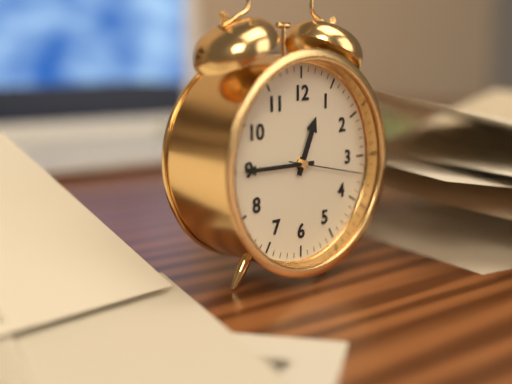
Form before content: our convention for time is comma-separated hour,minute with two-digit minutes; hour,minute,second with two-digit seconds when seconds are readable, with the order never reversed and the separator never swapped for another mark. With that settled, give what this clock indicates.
12,45,17
